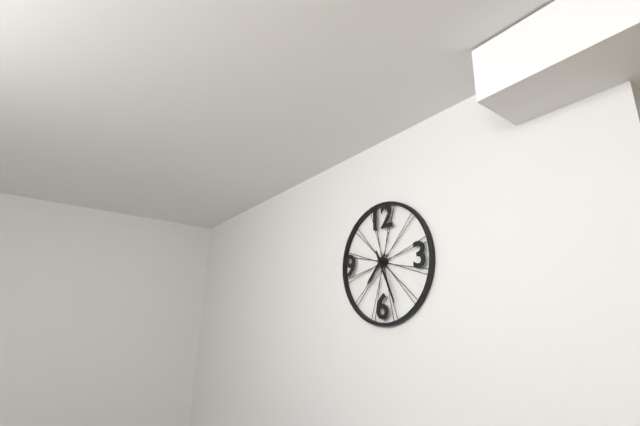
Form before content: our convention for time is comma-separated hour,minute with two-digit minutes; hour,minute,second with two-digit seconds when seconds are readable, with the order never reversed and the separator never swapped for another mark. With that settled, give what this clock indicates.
7,26
